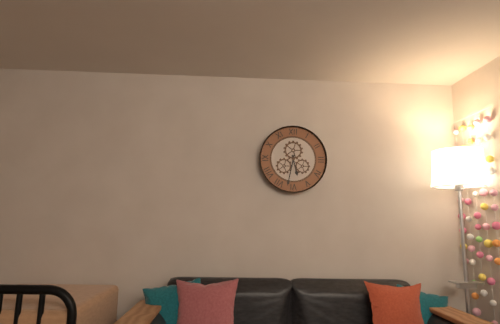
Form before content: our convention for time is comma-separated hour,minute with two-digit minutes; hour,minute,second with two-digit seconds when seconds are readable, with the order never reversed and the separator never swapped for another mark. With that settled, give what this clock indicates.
5,32
